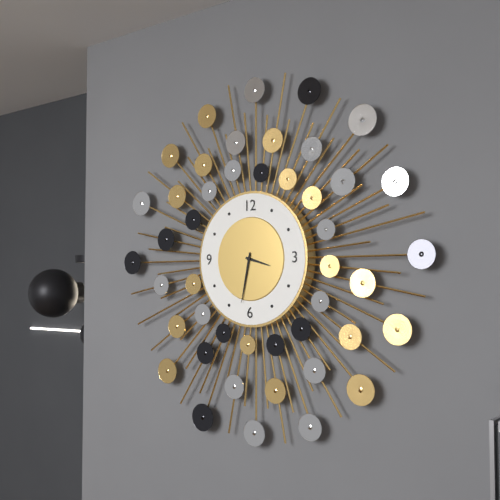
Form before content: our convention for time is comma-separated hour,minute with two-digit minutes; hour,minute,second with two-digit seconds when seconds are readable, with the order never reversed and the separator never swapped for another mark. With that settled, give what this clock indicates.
3,32
